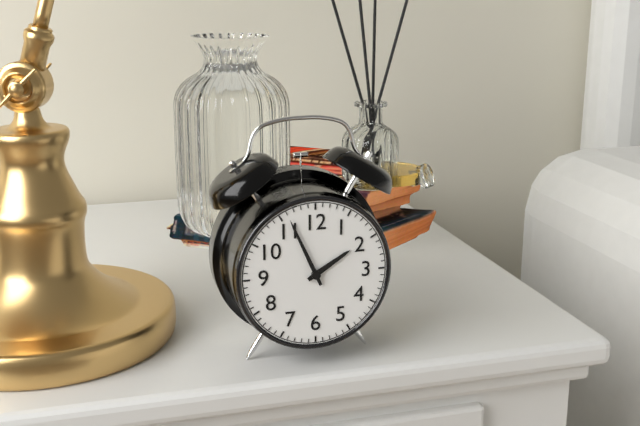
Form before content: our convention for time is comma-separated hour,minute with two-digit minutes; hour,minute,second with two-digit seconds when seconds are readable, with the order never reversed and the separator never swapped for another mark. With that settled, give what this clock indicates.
1,56
